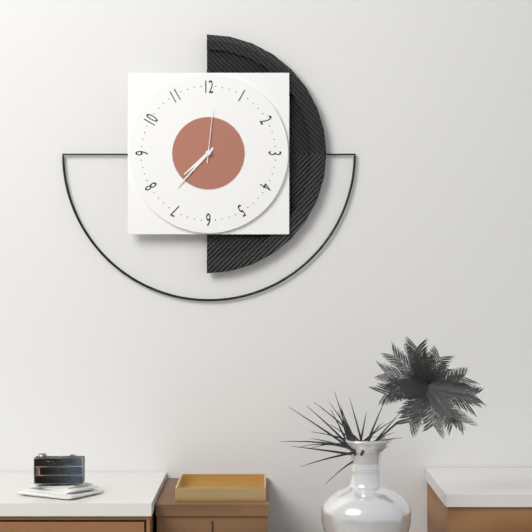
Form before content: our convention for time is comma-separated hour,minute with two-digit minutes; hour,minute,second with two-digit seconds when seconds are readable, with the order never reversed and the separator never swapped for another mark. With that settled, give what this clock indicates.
7,37,01
